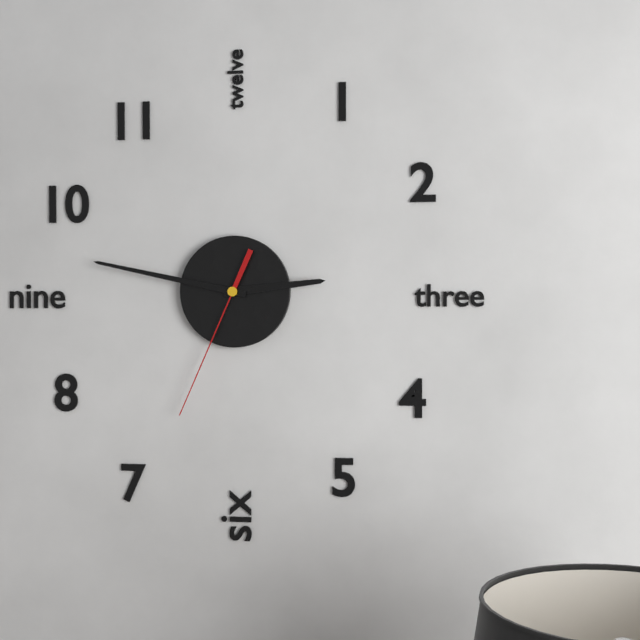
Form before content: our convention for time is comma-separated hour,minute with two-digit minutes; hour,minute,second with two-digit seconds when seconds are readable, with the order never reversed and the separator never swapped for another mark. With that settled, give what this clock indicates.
2,47,34
